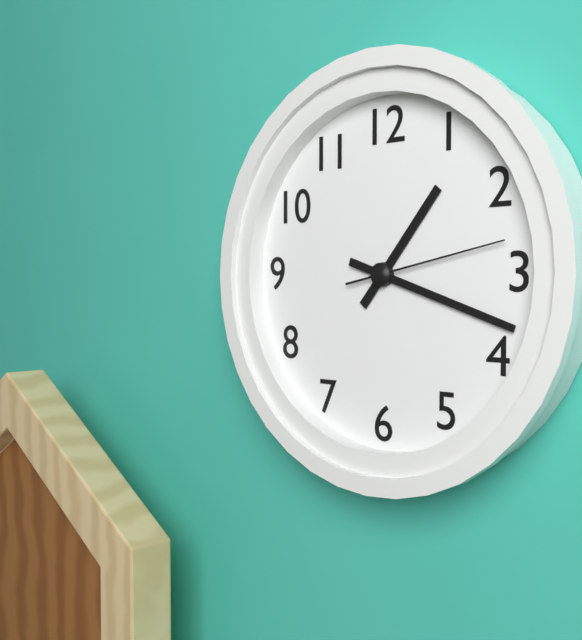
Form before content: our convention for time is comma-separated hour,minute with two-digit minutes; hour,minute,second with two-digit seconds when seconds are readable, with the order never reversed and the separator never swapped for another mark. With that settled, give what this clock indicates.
1,18,13
